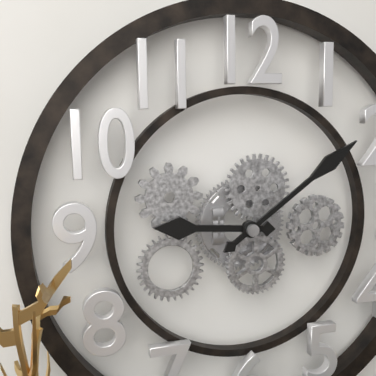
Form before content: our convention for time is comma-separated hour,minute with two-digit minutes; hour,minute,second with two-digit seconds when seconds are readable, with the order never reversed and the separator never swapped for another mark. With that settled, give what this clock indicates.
9,09
